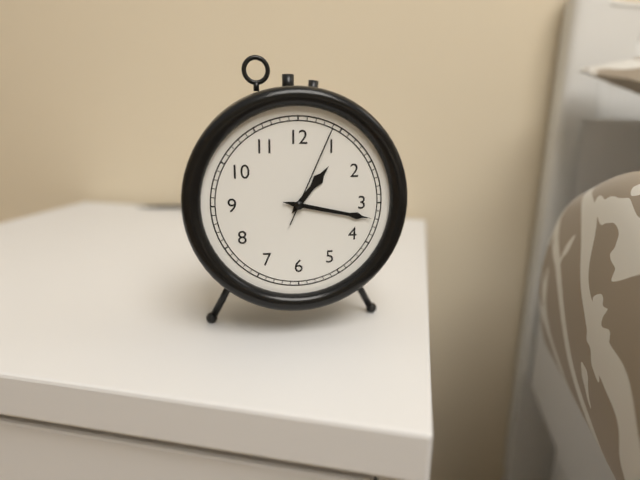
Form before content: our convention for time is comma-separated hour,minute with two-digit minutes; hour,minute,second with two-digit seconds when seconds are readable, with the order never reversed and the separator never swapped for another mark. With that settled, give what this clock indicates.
1,17,04
